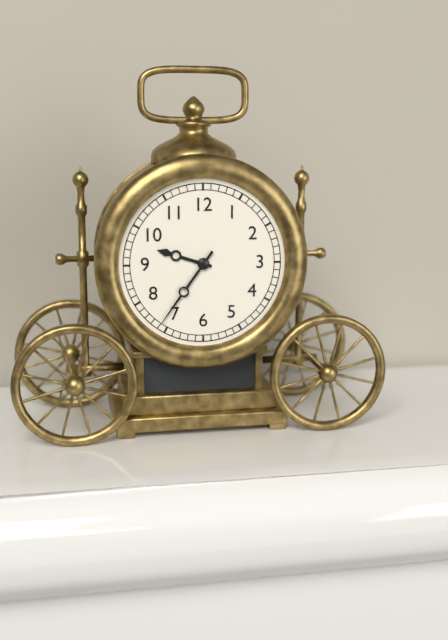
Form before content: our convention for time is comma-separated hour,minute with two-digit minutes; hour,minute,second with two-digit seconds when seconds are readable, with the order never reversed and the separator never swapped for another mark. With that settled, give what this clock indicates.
9,36
